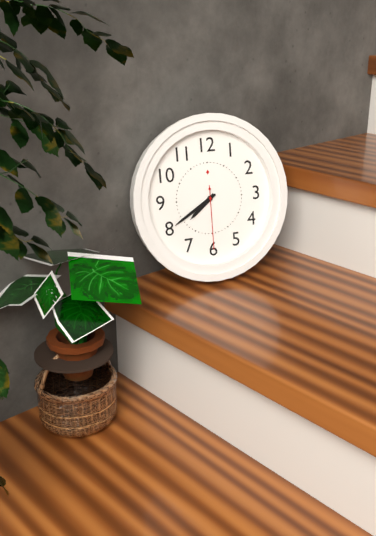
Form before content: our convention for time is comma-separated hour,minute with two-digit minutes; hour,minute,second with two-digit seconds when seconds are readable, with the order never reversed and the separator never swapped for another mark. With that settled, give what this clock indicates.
7,40,30
